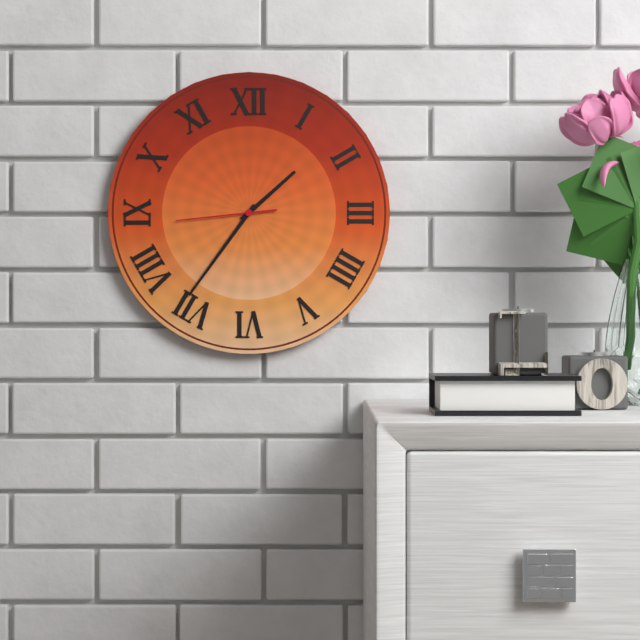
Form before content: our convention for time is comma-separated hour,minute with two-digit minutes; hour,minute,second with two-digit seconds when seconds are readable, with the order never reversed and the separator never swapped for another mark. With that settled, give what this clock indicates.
1,36,44
